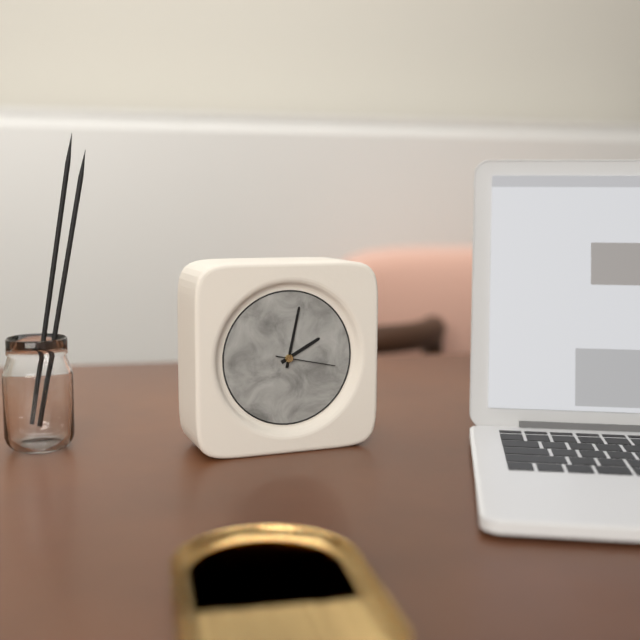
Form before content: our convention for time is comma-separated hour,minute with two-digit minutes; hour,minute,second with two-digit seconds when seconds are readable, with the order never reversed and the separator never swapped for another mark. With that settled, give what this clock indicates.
2,02,17
